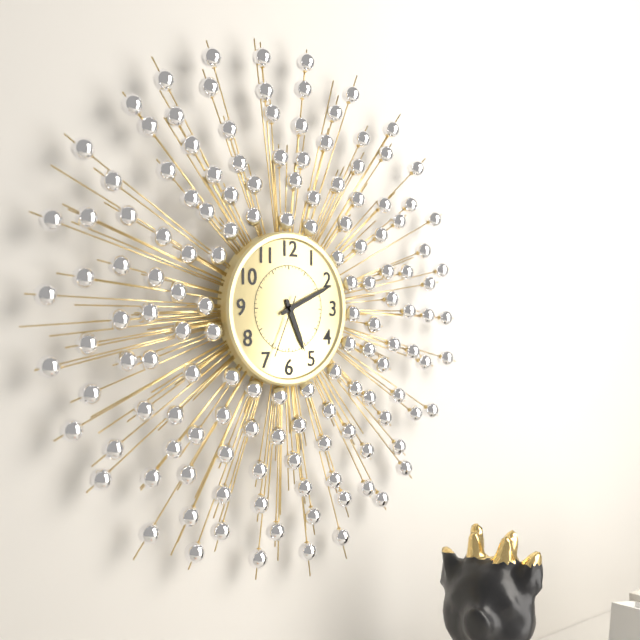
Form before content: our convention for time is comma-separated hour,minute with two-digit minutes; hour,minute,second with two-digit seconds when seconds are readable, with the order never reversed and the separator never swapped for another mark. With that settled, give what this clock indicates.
5,11,34
